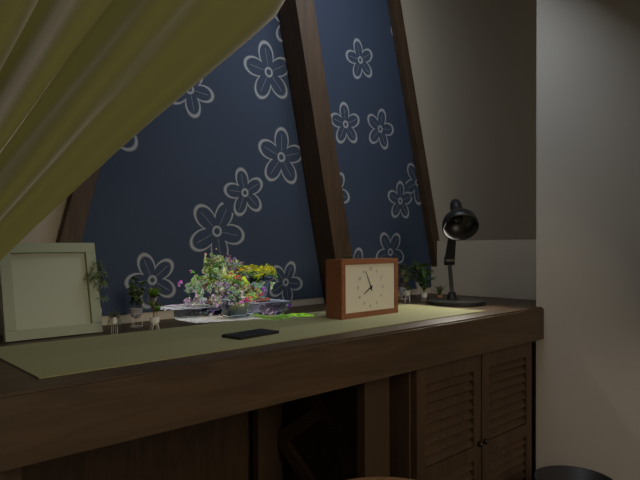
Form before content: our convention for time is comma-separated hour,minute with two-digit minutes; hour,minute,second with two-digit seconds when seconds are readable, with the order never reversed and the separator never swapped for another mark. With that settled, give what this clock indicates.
7,56
